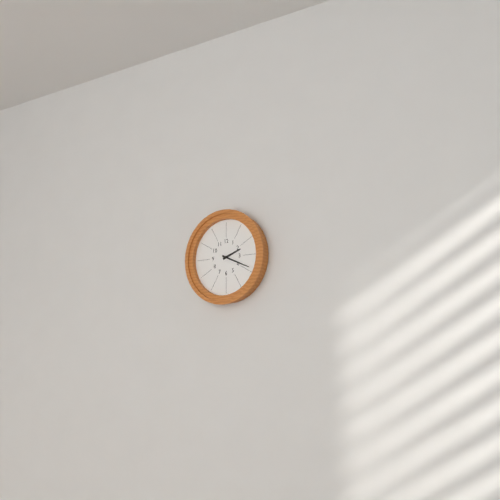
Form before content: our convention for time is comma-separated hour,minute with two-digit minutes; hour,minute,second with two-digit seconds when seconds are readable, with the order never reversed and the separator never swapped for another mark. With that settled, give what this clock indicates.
2,19
